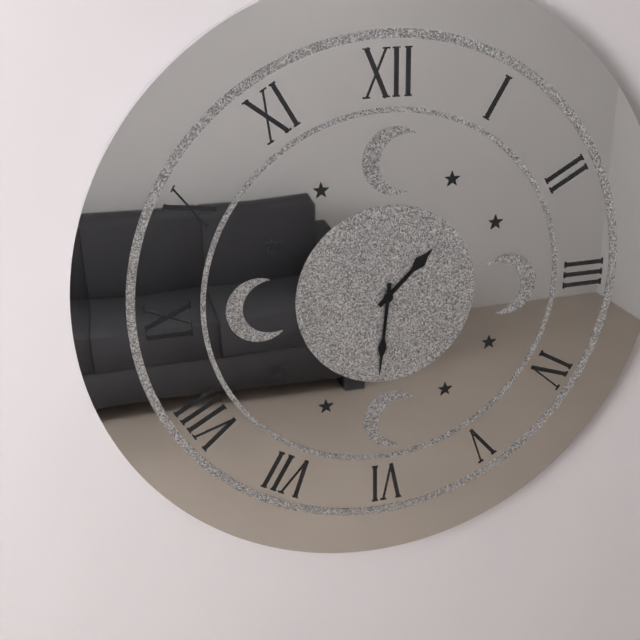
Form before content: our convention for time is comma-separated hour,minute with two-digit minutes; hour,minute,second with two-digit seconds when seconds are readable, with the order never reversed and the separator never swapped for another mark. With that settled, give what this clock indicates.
1,31
